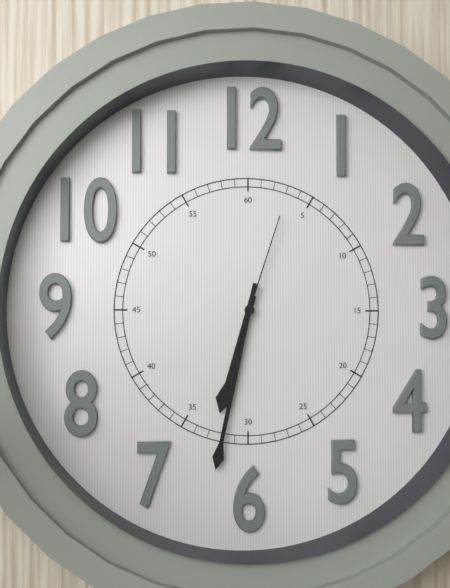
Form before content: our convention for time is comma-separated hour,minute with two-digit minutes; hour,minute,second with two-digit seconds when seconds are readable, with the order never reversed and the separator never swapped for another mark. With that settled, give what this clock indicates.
6,32,03
